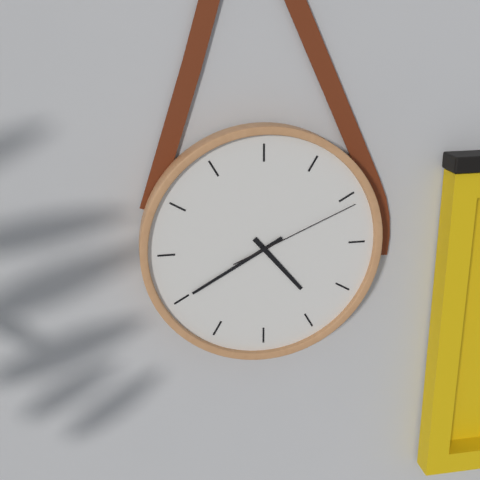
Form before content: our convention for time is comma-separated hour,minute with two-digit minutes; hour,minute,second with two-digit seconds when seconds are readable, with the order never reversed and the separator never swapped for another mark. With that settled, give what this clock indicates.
4,40,11
